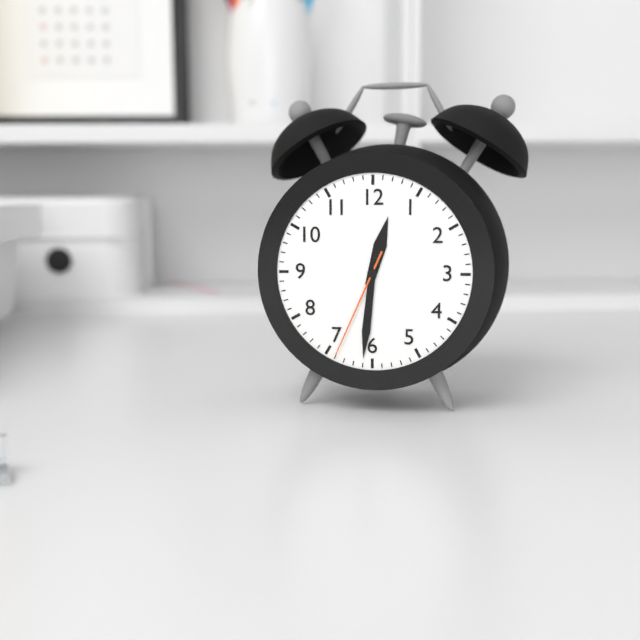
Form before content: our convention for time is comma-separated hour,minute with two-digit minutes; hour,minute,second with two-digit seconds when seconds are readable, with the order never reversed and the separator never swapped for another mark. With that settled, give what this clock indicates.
12,31,34
